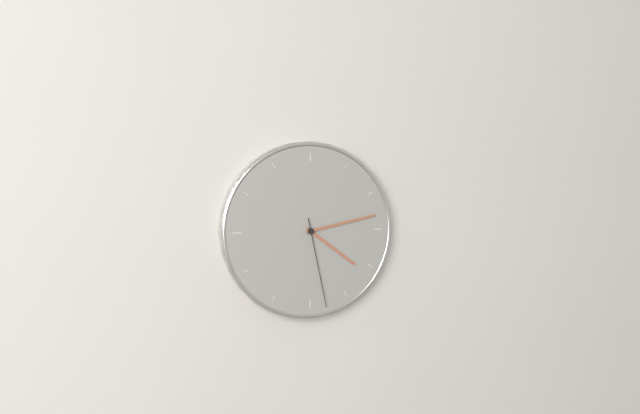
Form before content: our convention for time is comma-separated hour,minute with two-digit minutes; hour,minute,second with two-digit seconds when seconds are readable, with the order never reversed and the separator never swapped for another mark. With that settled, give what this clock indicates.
4,13,28
